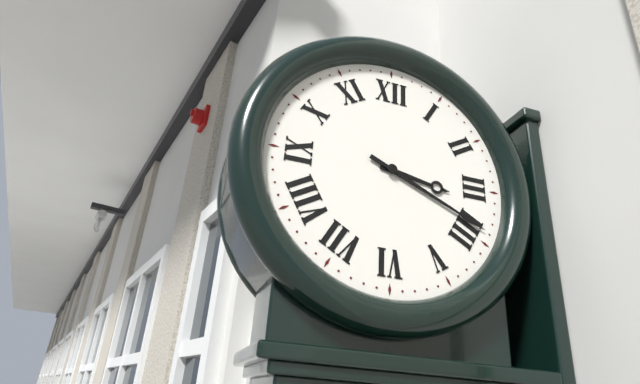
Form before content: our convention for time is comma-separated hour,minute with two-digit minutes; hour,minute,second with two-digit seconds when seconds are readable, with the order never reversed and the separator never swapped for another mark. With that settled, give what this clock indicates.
3,19
